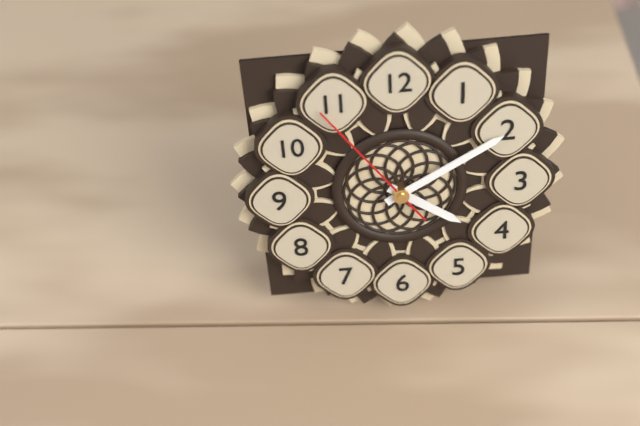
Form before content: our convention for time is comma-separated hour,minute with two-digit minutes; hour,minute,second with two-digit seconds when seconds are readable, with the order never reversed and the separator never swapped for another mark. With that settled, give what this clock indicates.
4,10,54
